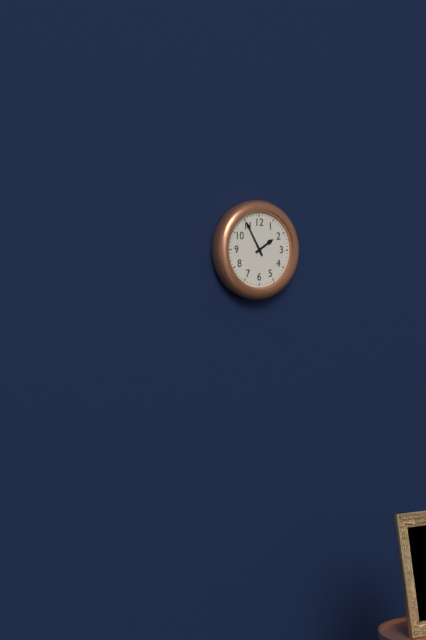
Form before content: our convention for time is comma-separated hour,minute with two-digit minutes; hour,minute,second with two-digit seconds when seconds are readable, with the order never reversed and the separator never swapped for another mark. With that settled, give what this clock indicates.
1,55
